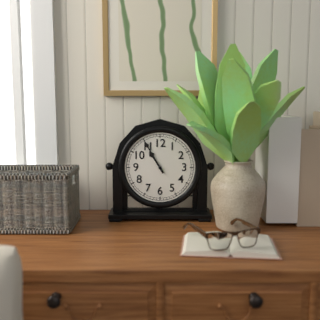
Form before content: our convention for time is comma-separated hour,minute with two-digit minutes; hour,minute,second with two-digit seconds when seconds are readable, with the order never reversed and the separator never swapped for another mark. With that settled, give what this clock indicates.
10,55
